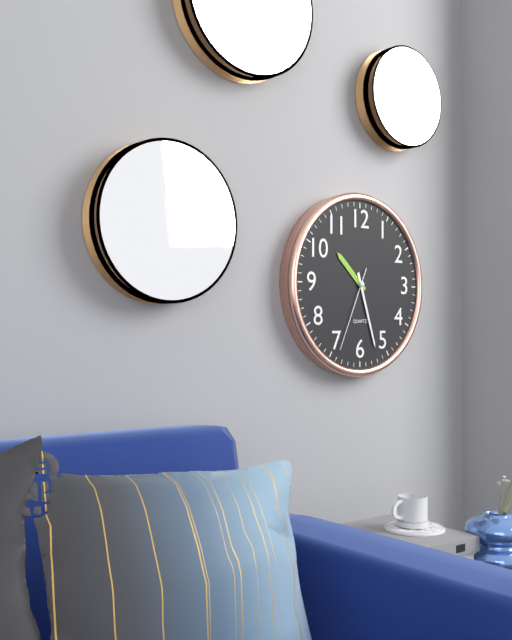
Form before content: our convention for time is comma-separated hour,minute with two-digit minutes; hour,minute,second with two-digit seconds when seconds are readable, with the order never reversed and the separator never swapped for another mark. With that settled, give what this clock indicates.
10,27,34
